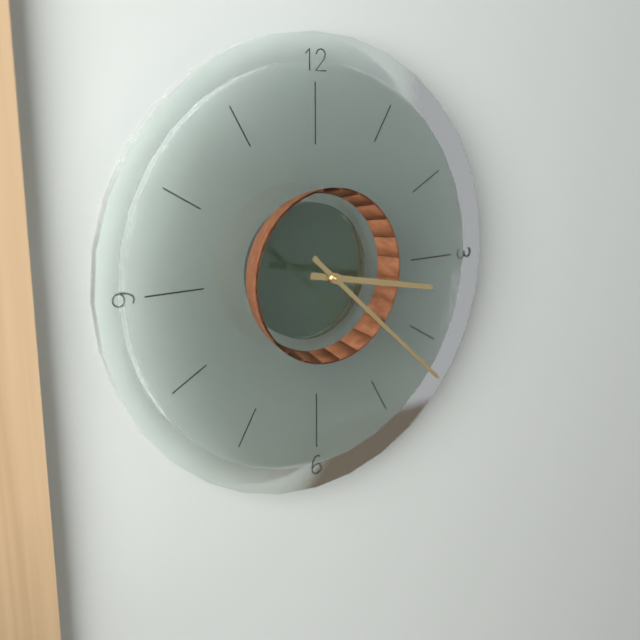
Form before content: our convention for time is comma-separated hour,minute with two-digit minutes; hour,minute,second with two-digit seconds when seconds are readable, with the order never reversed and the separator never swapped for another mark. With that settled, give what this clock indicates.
3,22
